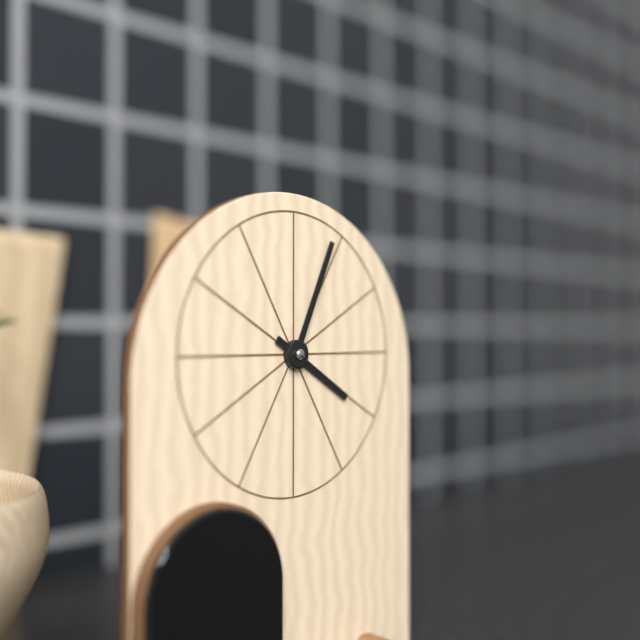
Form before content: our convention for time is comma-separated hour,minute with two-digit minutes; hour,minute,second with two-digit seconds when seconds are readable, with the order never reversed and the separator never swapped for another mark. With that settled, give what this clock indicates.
4,04
